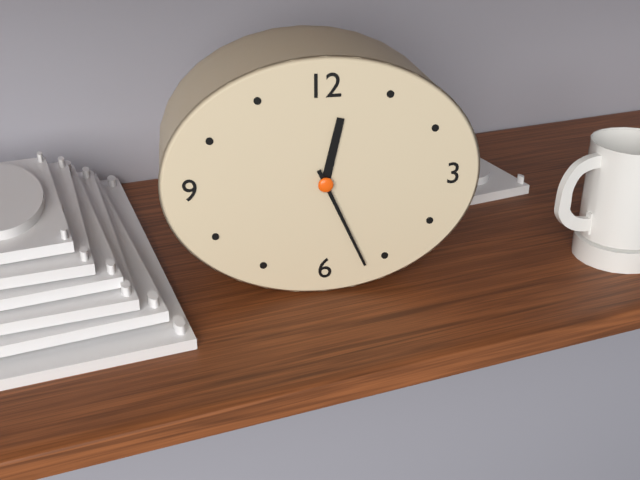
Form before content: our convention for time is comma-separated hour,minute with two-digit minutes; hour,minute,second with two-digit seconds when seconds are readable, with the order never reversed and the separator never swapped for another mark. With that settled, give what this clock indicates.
12,26
